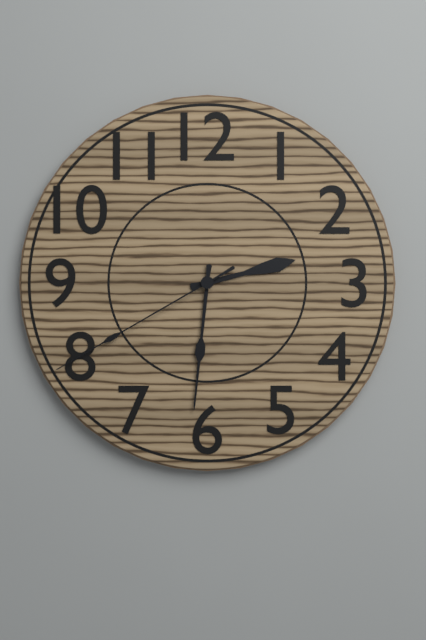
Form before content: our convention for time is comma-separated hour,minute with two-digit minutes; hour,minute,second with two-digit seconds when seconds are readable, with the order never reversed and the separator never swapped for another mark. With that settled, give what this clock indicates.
2,31,40
